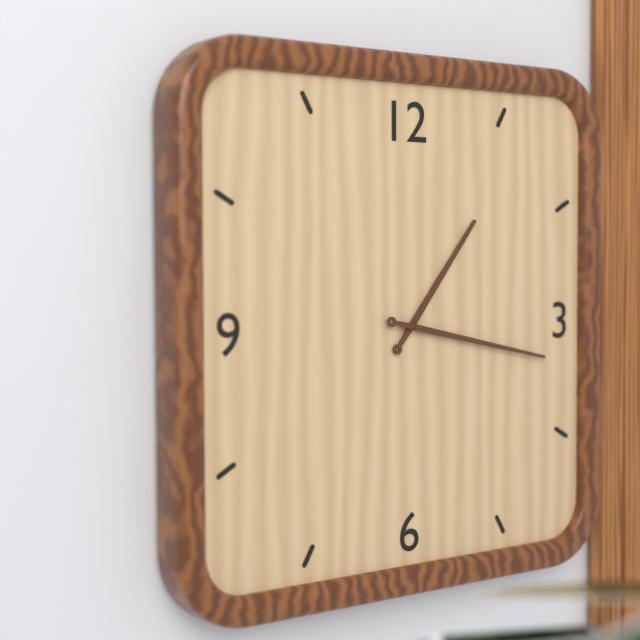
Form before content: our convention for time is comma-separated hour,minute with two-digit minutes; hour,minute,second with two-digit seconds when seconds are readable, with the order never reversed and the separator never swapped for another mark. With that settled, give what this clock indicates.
1,17
